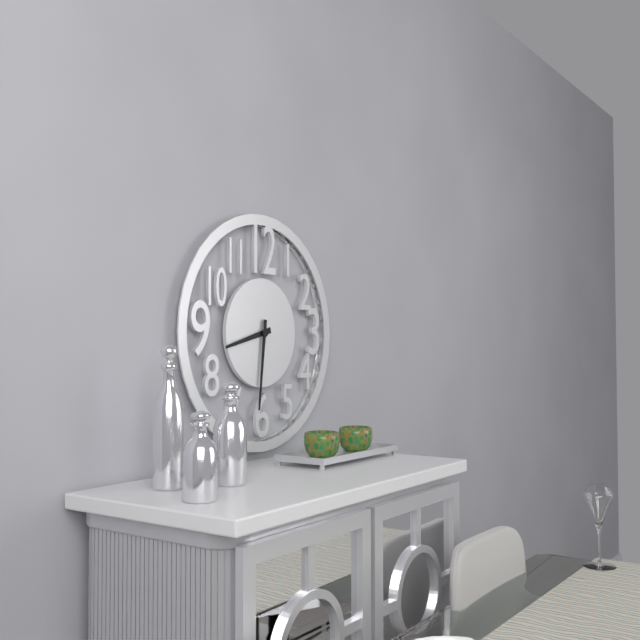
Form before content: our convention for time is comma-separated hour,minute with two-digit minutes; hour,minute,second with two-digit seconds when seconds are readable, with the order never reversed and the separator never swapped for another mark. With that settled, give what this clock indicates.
8,31
